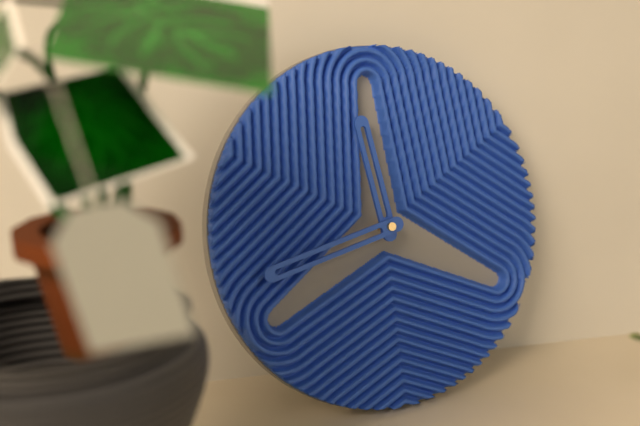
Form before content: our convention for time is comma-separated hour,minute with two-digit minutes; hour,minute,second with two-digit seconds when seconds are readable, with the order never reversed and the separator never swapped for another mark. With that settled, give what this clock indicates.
11,43
